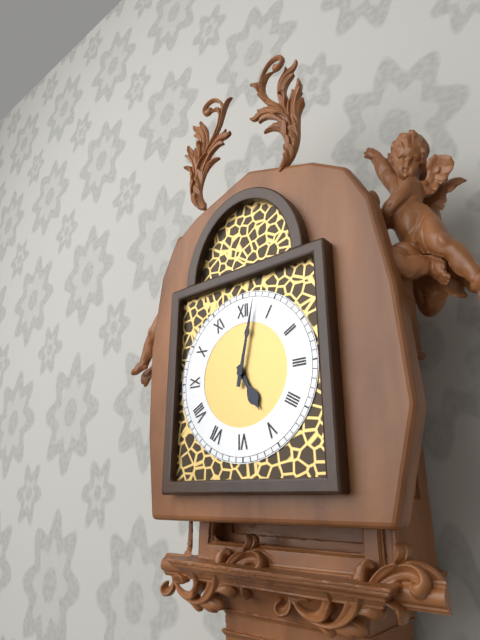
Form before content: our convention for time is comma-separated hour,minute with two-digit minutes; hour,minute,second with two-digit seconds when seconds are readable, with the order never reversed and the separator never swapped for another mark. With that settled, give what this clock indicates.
5,02
